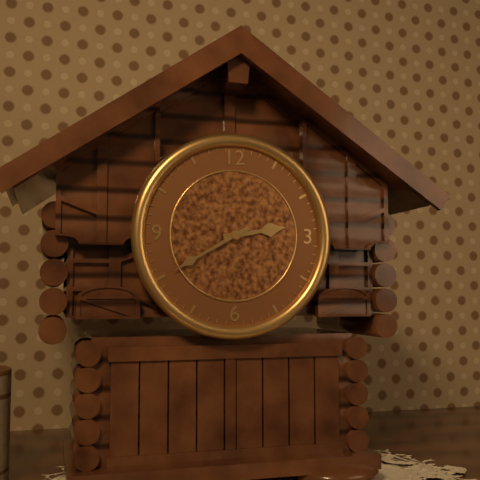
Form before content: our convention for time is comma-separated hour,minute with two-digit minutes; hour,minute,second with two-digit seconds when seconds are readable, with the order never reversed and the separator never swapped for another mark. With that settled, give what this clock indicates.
2,40
